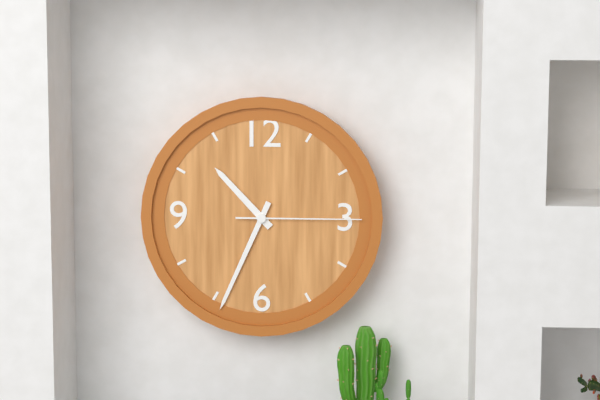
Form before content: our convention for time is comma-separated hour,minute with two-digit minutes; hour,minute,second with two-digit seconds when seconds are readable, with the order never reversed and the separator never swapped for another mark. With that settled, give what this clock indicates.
10,34,15
